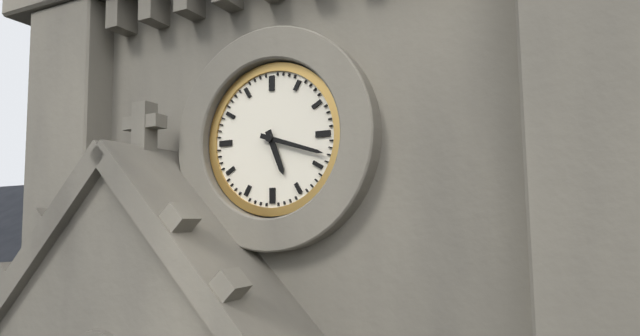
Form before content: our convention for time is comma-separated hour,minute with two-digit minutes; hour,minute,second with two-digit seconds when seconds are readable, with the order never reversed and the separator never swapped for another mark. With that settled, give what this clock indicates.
5,18
